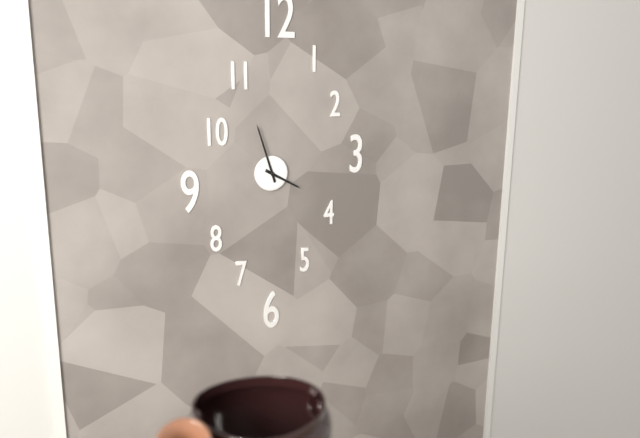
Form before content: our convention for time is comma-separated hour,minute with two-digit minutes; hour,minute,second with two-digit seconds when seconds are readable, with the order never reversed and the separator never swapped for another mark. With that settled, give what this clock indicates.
3,57
